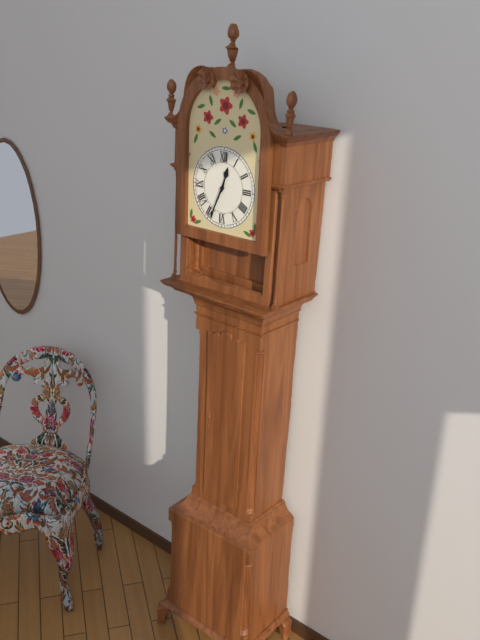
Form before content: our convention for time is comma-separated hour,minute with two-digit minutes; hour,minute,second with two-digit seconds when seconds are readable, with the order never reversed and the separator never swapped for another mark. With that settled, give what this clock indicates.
12,34
